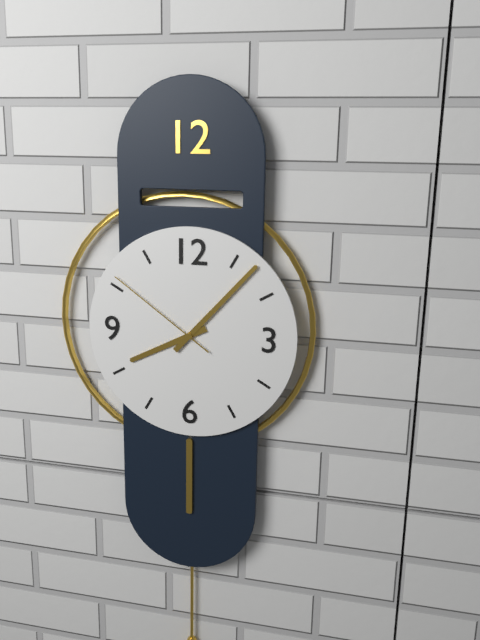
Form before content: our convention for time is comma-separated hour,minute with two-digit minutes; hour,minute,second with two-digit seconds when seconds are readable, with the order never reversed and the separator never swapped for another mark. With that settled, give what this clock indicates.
8,07,51
